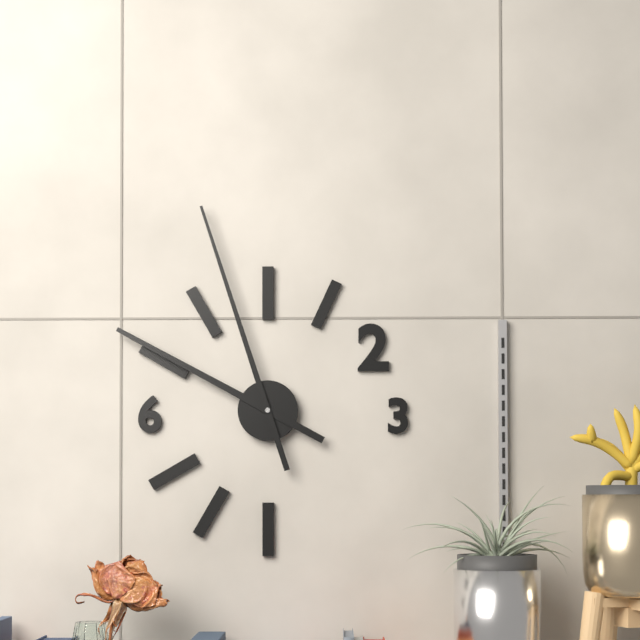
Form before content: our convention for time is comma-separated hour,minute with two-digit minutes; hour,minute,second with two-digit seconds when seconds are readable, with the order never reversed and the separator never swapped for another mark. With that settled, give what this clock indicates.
9,57
